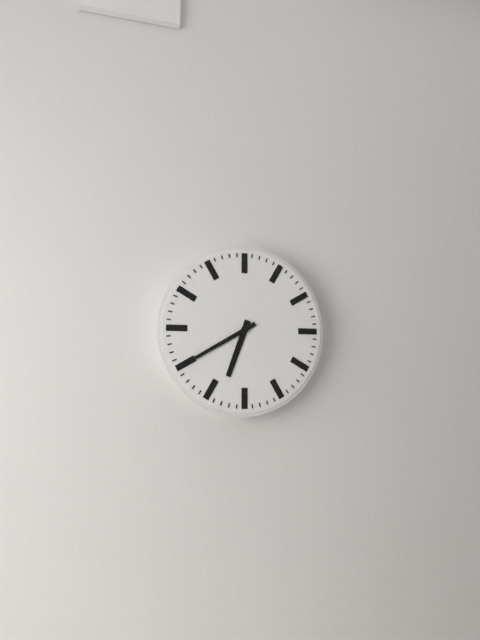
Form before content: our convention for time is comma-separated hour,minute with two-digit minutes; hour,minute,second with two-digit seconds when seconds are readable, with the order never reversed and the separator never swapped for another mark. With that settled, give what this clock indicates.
6,40
